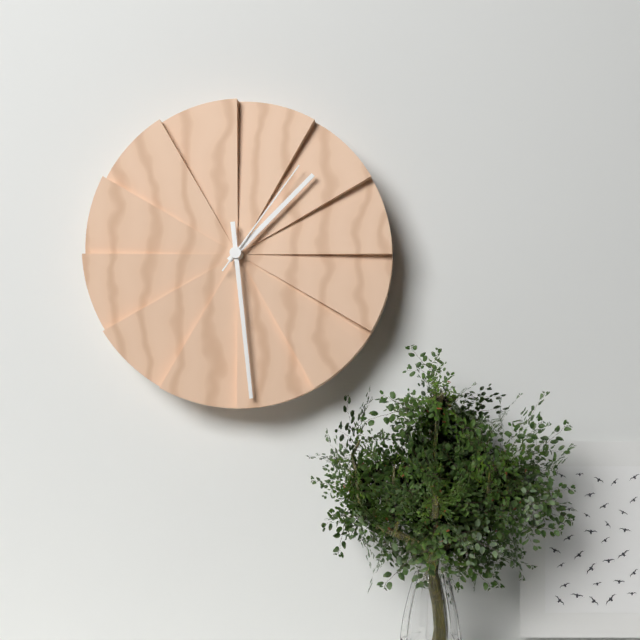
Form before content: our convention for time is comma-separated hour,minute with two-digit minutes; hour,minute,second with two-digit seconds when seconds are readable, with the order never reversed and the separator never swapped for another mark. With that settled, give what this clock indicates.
1,29,06
